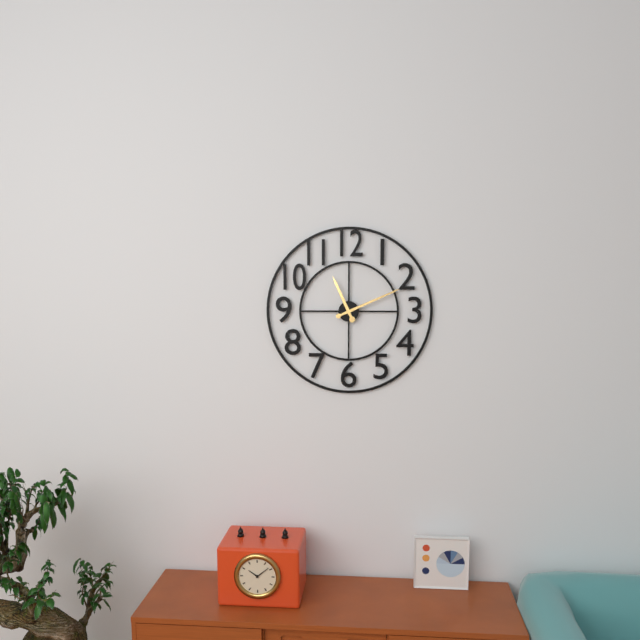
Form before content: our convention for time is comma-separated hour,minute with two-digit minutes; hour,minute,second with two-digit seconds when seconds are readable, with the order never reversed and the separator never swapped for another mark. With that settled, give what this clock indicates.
11,11
